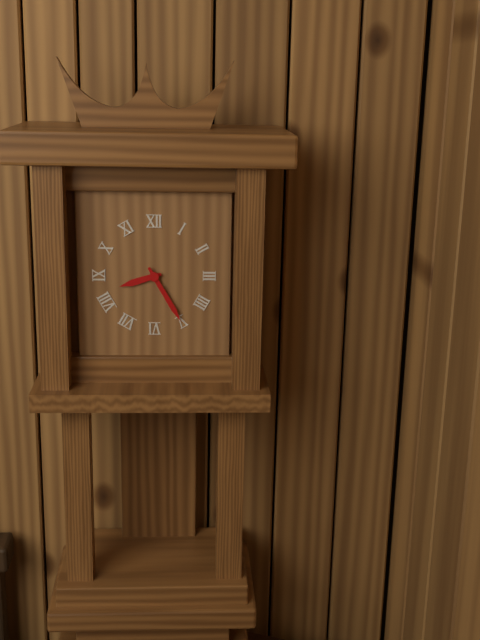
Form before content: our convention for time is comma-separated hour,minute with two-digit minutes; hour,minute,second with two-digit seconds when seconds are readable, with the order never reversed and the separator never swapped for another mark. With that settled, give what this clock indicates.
8,25
